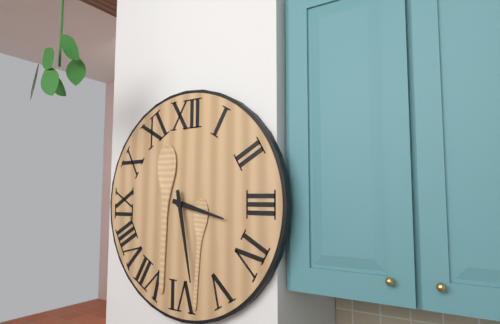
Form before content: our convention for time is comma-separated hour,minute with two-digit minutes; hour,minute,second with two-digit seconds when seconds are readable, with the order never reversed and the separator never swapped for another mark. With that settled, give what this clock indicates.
3,28
